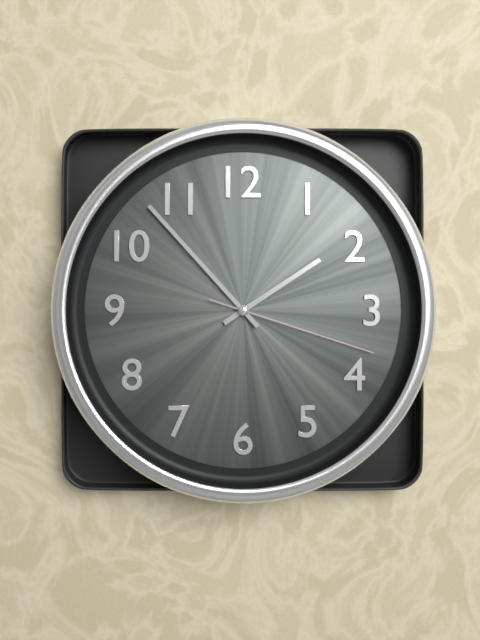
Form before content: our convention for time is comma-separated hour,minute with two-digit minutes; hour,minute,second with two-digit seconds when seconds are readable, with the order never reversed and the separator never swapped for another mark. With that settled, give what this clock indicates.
1,53,18
